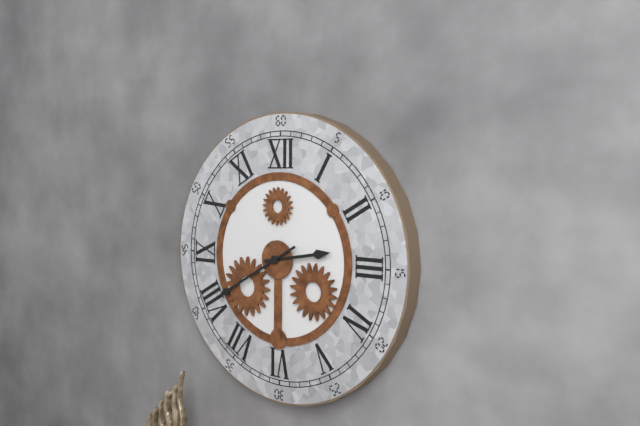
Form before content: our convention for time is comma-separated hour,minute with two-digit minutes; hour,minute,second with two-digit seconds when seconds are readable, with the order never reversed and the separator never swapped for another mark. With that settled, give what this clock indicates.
2,40
